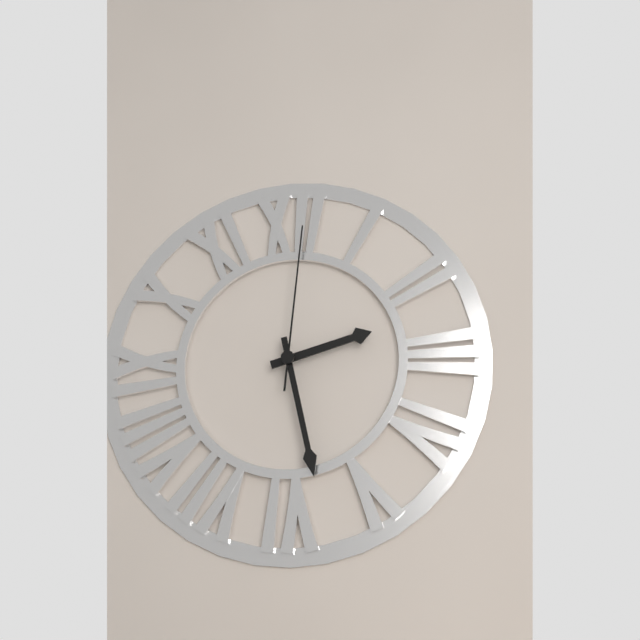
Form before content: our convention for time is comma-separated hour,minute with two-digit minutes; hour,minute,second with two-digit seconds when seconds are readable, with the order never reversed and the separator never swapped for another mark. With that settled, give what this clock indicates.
2,28,01
